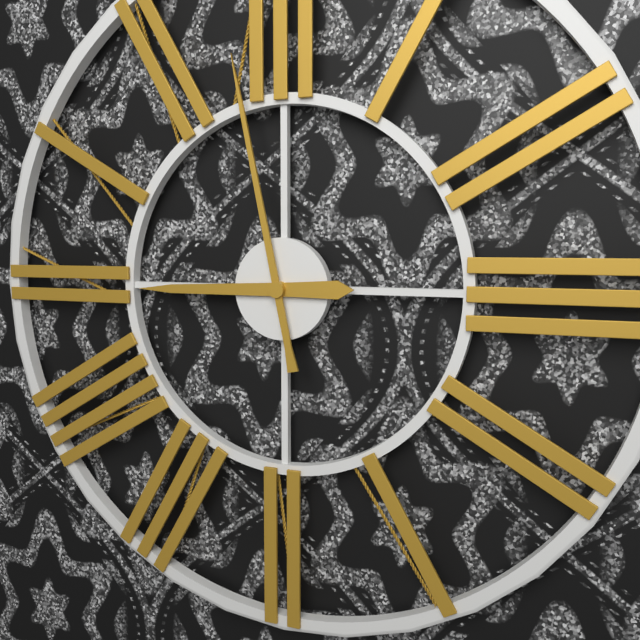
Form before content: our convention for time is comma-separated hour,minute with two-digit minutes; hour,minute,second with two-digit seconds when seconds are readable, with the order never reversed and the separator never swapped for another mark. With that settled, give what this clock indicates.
8,58
